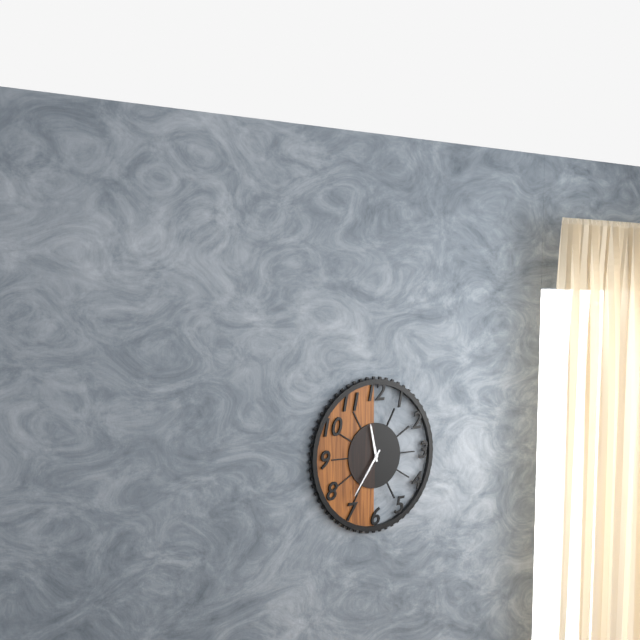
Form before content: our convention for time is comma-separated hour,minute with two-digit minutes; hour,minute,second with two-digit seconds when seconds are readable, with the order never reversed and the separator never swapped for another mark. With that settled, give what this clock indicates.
11,36
